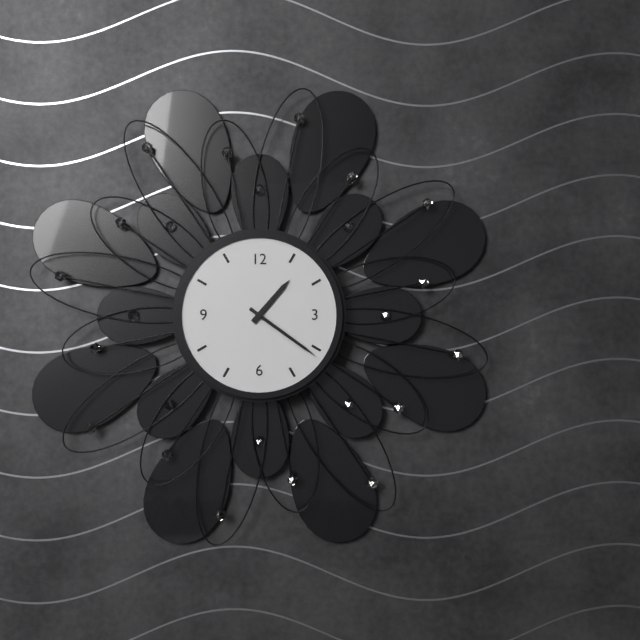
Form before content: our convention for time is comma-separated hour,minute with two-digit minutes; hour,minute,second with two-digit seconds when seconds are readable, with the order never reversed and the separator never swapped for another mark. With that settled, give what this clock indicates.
1,21
